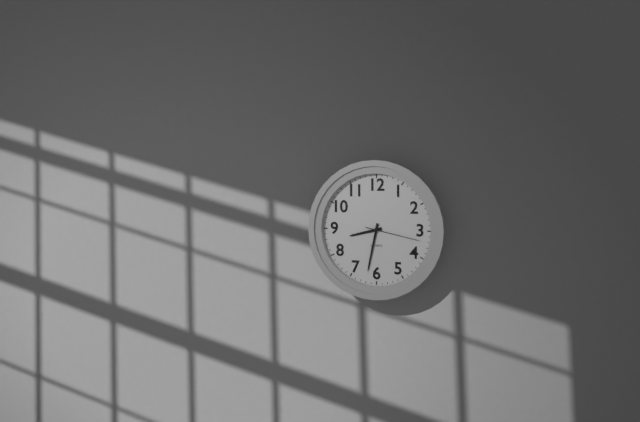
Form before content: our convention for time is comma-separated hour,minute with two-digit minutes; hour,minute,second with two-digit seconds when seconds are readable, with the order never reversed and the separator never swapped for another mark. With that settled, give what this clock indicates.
8,32,17
